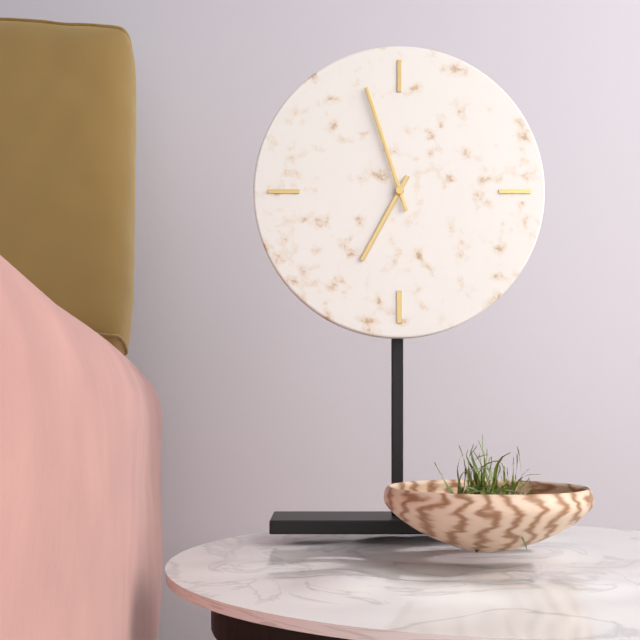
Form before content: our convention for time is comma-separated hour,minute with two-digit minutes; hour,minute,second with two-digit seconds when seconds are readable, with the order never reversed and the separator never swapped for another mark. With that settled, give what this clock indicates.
6,57
